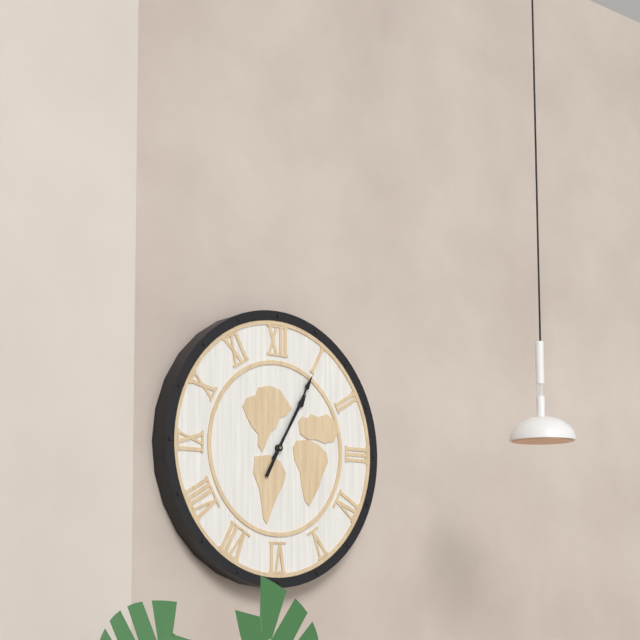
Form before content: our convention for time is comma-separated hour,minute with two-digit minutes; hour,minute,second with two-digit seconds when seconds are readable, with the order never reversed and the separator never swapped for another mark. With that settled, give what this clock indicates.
1,05
